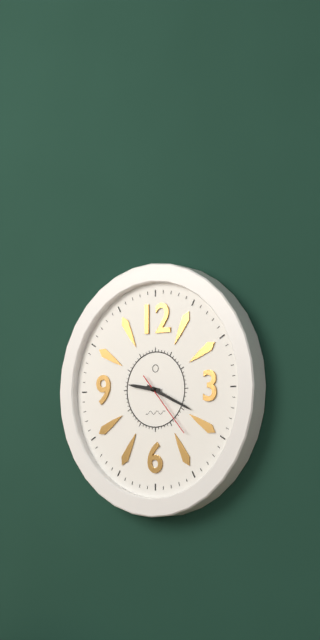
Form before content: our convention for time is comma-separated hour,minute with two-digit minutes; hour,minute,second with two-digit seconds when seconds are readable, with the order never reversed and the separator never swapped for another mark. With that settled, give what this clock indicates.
9,19,23
